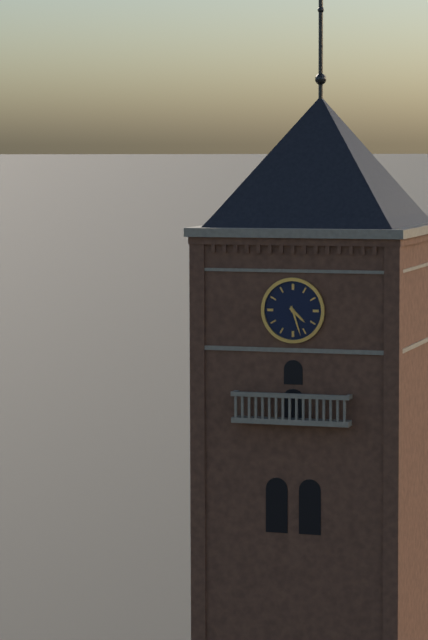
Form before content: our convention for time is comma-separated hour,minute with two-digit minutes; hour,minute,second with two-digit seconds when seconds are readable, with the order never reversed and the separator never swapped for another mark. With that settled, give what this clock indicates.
4,27
